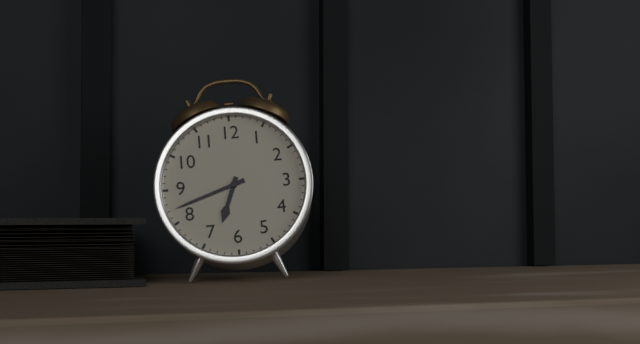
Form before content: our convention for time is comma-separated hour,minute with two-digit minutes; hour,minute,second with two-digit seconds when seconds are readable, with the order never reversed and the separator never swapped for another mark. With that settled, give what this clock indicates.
6,42
